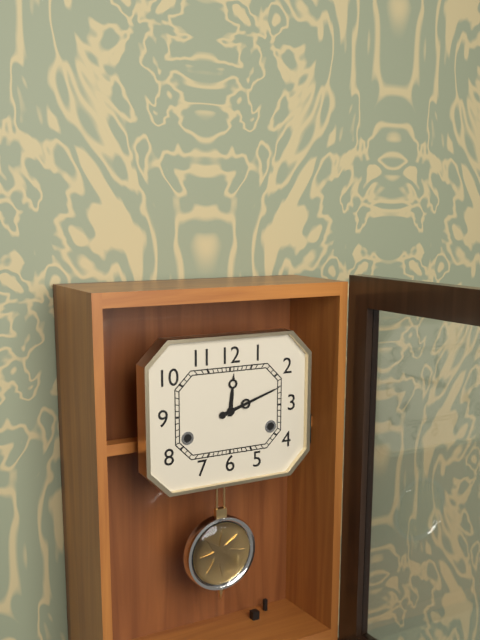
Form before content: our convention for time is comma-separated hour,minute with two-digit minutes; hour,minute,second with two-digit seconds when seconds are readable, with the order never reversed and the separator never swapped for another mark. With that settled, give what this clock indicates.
12,12
